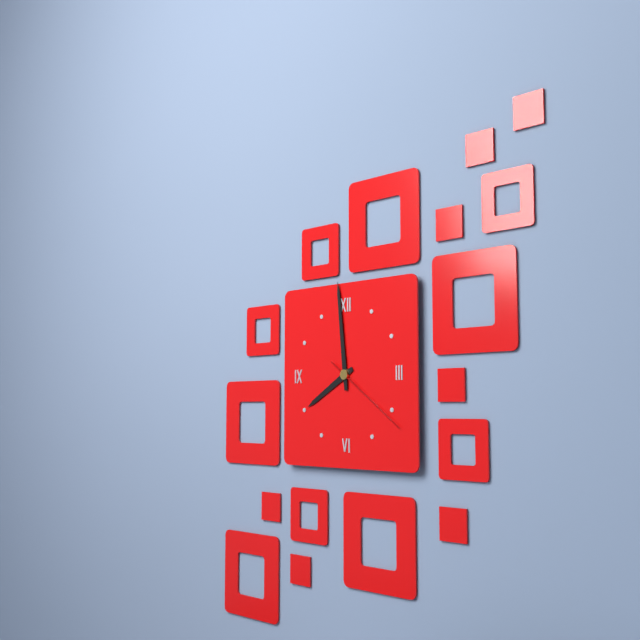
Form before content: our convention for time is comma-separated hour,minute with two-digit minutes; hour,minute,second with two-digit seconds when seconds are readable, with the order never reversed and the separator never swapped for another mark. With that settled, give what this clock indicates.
7,59,21
